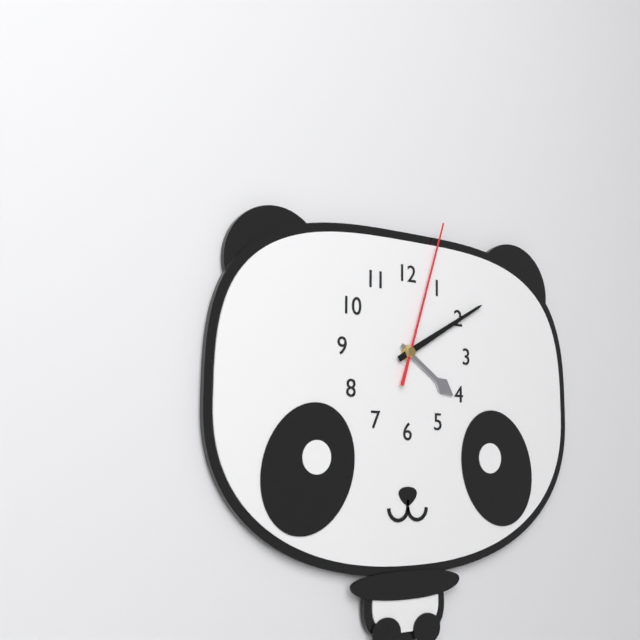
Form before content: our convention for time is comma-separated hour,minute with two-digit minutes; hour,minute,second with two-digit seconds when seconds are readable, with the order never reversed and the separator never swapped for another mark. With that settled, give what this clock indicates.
4,10,03
